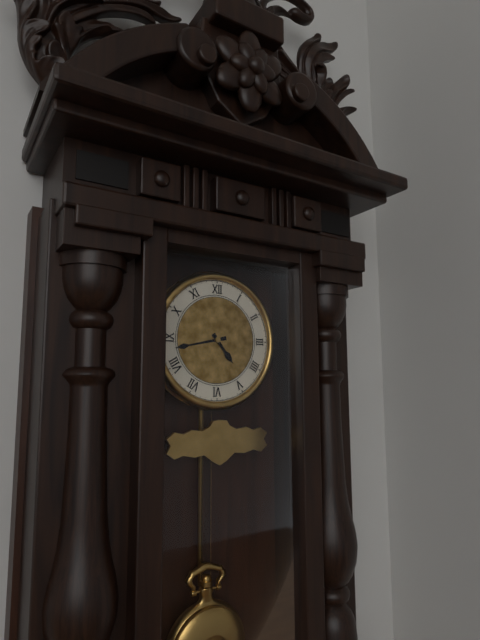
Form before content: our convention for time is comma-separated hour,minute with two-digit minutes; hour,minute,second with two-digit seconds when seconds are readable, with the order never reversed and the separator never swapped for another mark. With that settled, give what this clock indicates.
4,43
